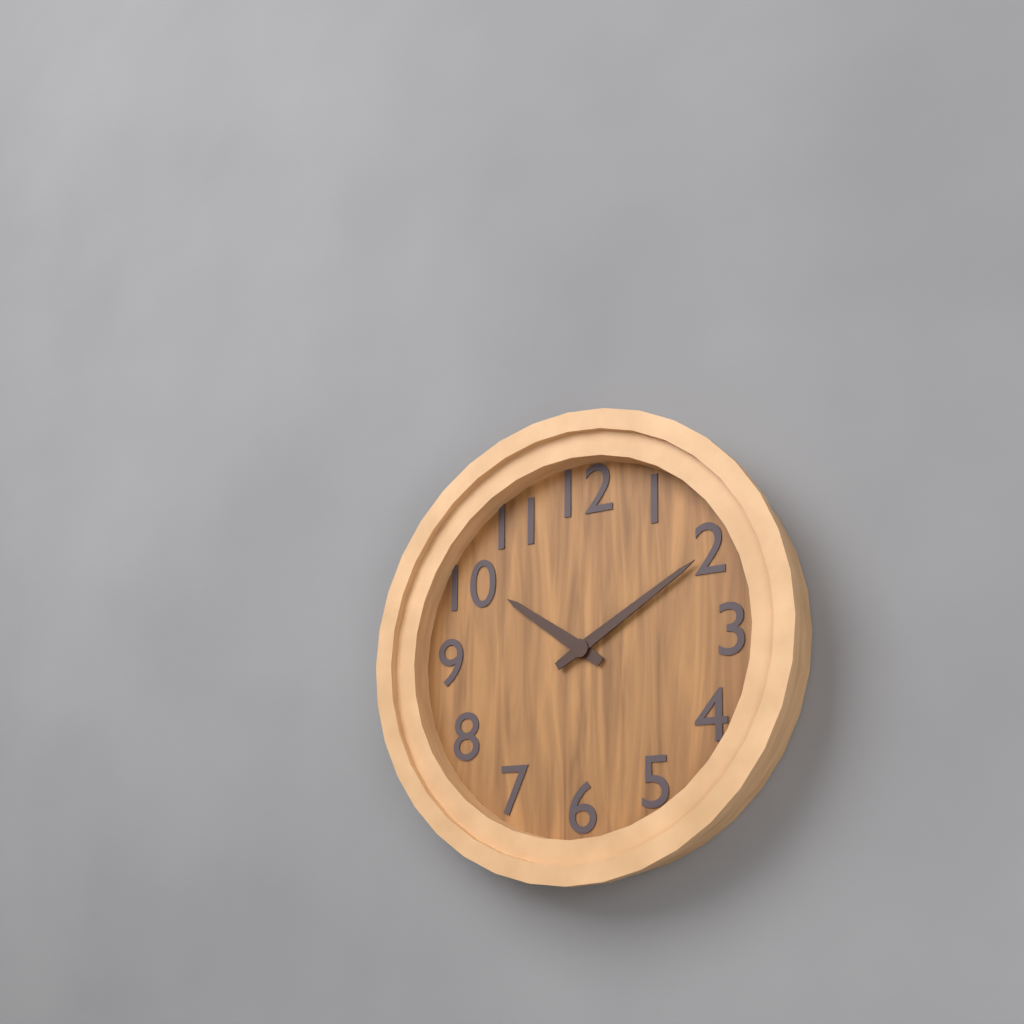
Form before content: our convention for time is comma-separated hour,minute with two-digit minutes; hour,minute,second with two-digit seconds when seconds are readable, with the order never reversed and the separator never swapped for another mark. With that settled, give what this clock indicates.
10,10
